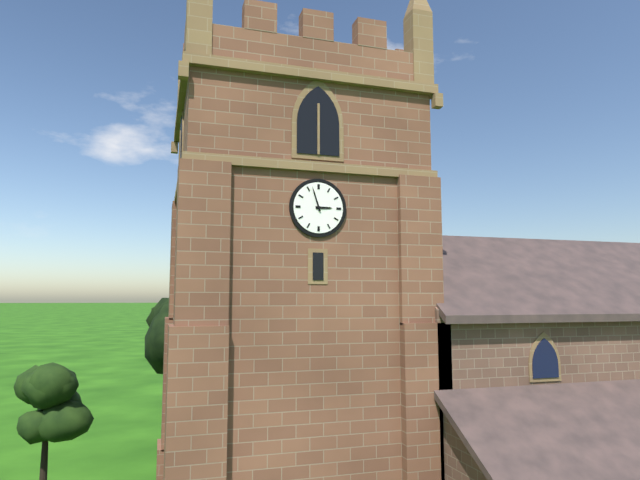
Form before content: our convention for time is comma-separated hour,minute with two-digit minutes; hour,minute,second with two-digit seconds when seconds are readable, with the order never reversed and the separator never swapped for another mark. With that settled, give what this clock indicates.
2,57
